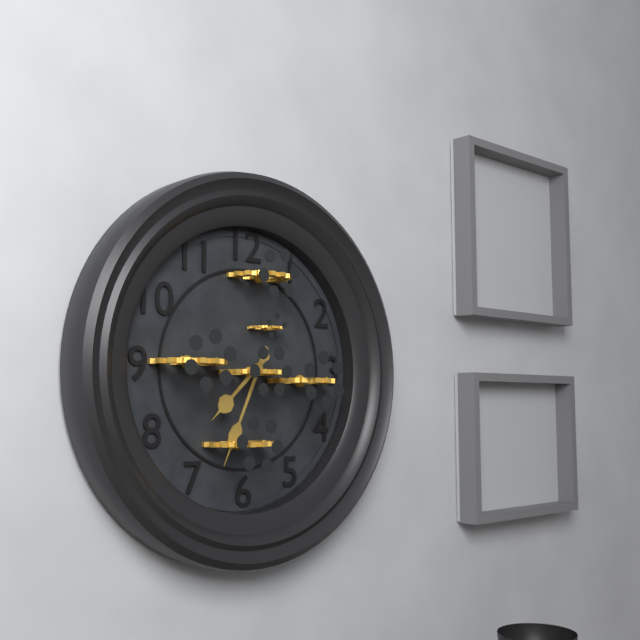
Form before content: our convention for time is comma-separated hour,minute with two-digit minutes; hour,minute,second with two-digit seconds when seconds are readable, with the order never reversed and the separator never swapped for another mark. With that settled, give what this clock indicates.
7,34
